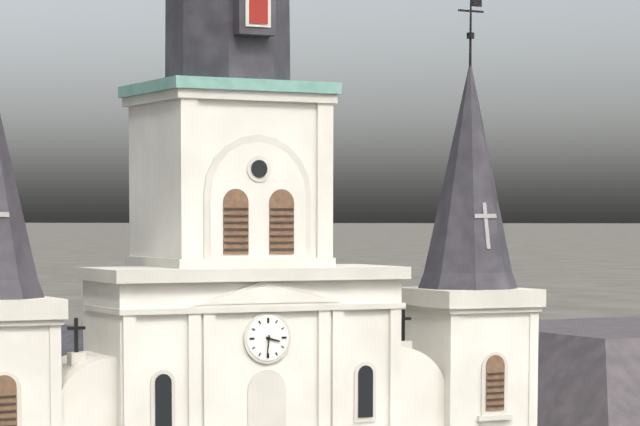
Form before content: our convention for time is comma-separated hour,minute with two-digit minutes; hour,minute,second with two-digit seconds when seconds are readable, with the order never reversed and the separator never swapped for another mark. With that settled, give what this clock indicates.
3,31
